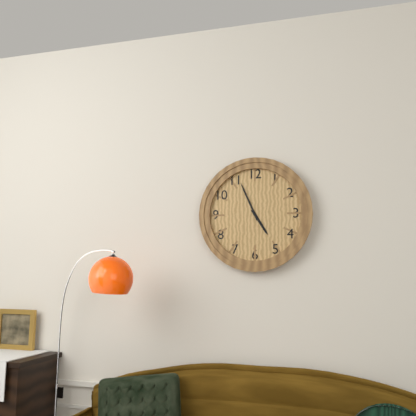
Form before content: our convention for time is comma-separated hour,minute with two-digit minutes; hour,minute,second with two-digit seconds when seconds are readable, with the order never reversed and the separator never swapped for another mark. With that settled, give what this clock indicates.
4,56
